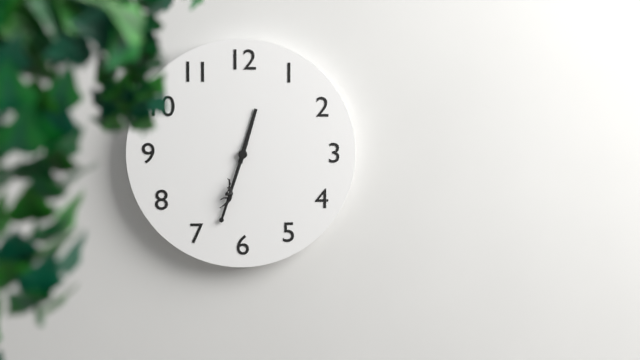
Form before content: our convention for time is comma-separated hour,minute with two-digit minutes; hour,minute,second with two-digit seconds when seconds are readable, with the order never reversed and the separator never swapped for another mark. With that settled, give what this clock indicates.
12,33
